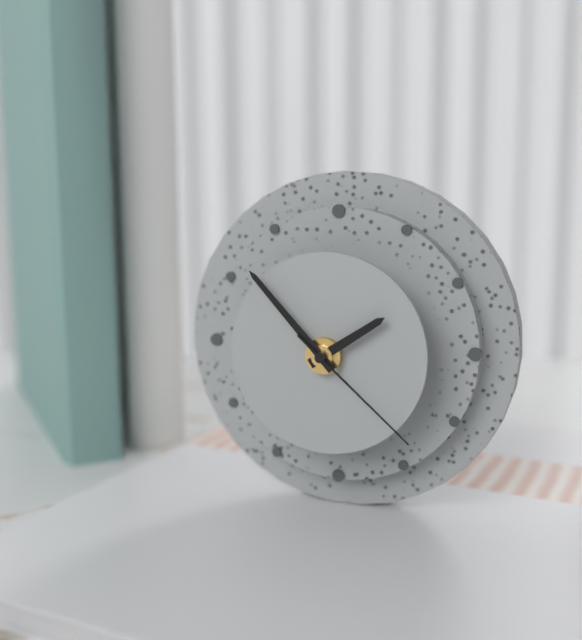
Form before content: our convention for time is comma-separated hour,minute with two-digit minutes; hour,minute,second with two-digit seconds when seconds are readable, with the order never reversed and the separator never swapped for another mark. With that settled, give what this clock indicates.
1,53,22
